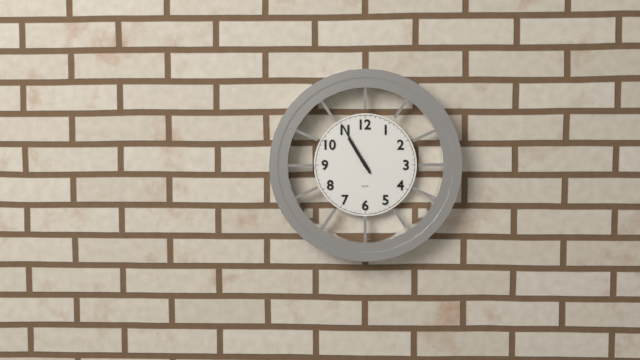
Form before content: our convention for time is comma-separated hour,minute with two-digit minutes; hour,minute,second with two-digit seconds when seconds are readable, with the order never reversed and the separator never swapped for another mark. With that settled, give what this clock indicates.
10,55
